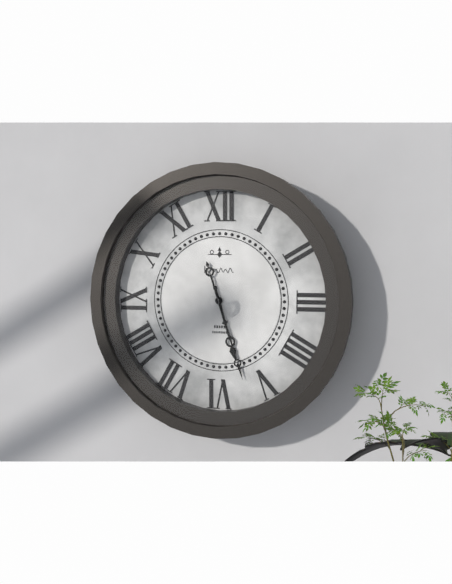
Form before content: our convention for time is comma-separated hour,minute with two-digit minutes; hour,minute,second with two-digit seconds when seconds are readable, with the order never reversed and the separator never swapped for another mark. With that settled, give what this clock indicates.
5,27
